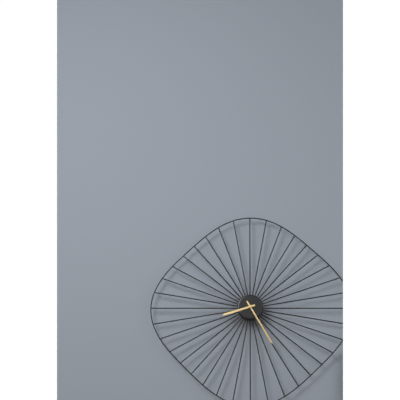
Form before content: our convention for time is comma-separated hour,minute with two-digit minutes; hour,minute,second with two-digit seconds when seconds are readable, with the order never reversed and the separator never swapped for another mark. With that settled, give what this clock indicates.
8,25
